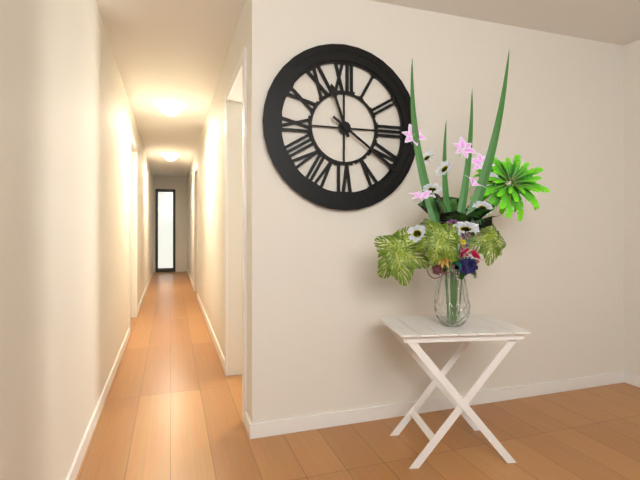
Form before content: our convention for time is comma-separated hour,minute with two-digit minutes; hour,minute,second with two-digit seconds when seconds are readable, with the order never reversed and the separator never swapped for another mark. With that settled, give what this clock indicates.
11,21
